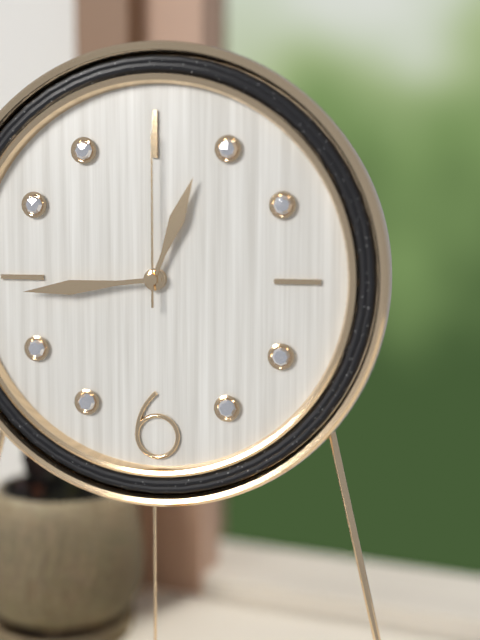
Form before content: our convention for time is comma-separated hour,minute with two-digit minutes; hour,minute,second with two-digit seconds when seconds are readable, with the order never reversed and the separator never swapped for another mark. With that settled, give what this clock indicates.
12,44,00
